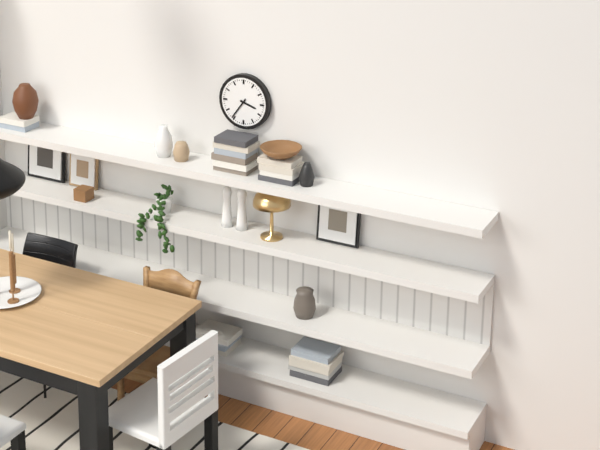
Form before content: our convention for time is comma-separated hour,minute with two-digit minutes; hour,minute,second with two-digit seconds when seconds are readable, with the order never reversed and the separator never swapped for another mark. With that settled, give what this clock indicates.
3,36
